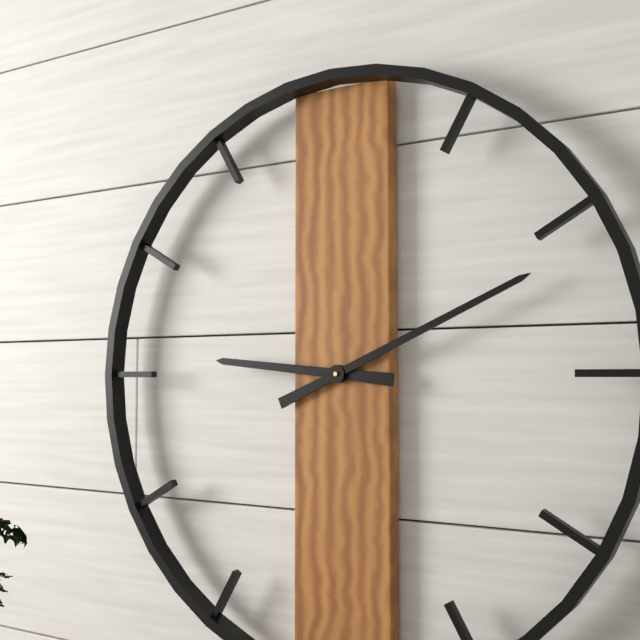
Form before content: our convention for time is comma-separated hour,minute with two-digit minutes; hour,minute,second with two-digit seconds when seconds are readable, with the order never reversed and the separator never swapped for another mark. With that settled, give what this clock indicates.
9,11
